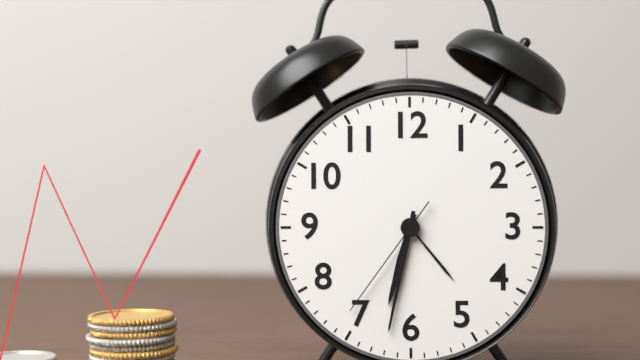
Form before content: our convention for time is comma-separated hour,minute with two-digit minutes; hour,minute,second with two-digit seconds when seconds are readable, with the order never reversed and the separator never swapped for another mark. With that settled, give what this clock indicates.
6,32,36
